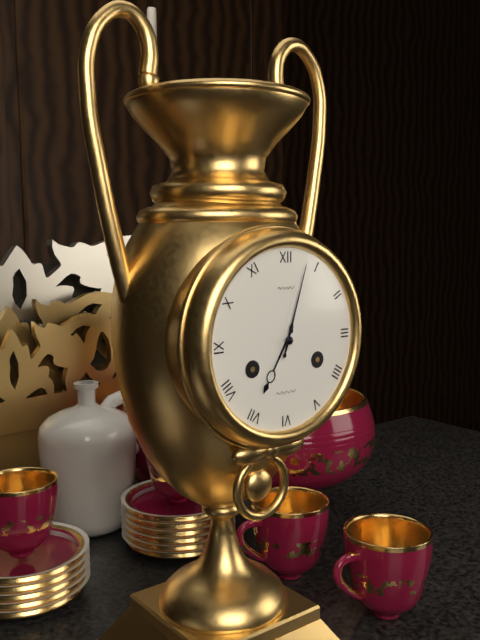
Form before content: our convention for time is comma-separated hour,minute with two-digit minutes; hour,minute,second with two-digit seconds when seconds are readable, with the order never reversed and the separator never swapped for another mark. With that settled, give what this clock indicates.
7,03
